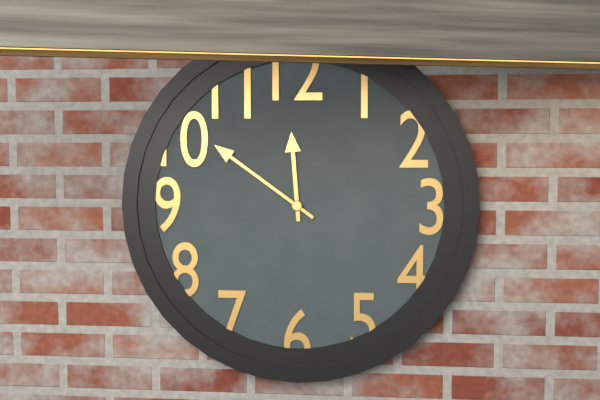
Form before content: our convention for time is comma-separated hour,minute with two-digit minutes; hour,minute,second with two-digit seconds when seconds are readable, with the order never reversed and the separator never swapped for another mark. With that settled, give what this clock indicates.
11,51
